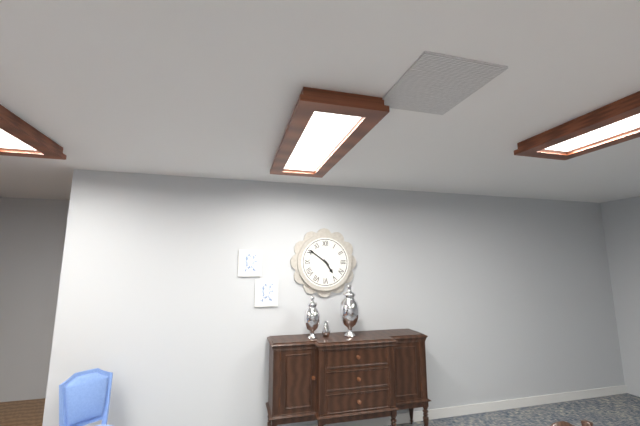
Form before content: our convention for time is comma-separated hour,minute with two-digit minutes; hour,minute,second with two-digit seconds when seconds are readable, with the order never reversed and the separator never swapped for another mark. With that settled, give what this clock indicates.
4,51
